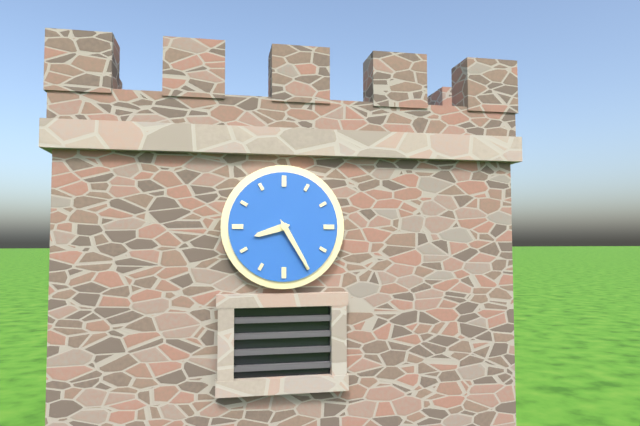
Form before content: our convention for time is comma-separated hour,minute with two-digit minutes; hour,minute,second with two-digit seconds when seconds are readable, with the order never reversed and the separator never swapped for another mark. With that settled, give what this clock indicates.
8,25
